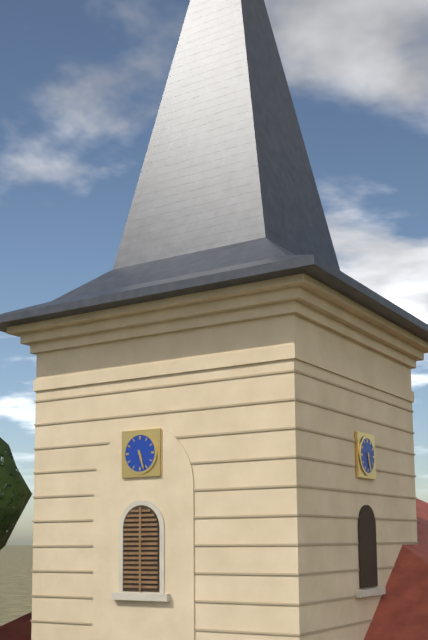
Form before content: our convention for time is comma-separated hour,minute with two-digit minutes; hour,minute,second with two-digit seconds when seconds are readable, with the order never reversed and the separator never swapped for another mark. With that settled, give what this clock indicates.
5,27
